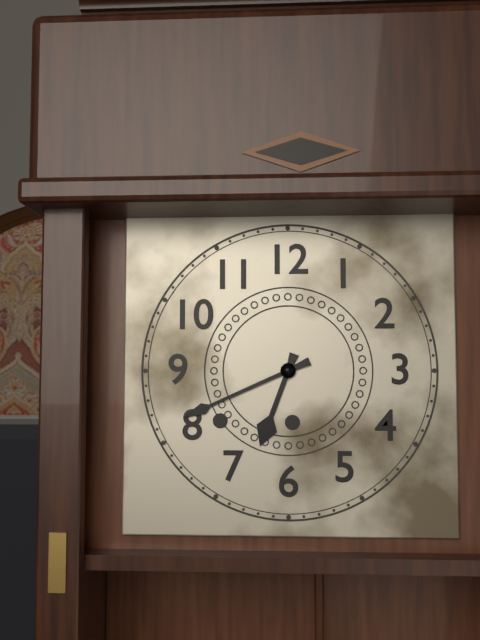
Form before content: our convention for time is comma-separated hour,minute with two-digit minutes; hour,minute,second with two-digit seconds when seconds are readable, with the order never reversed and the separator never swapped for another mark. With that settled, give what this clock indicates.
6,41
